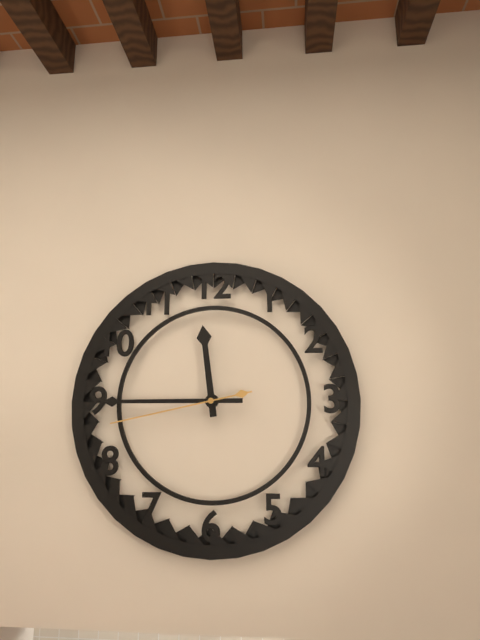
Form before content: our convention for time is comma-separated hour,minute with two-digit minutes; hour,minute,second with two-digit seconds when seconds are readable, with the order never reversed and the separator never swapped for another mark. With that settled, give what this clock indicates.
11,45,43
